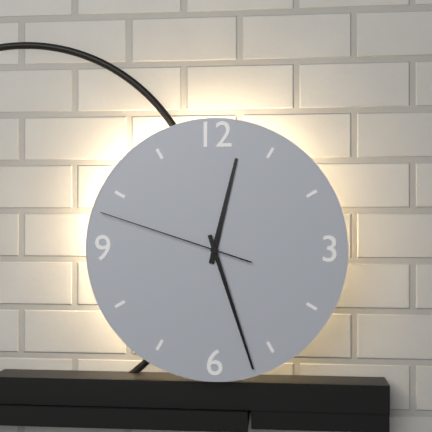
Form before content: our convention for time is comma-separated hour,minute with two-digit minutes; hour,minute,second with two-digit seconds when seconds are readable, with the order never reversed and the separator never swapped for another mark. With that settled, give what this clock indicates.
12,27,48
